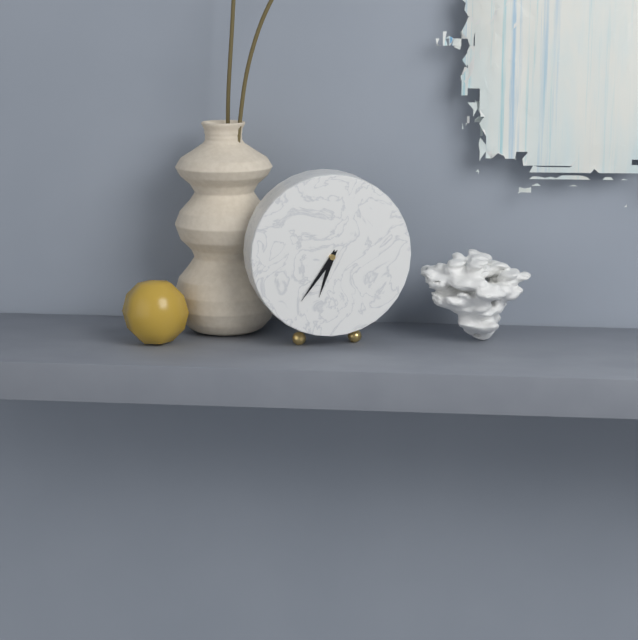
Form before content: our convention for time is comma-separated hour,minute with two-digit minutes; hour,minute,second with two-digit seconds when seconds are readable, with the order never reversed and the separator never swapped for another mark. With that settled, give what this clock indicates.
6,36
